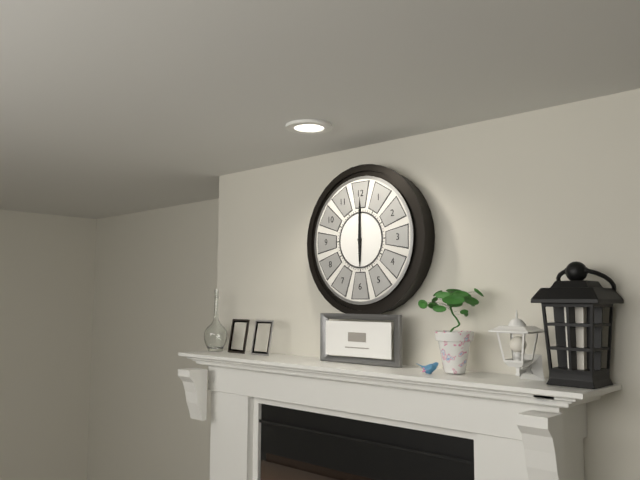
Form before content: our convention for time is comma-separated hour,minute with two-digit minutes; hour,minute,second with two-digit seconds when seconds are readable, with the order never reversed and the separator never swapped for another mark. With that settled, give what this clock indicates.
6,00
